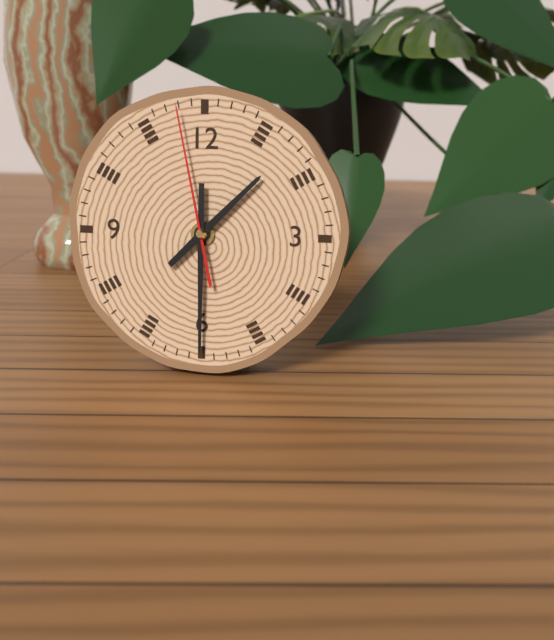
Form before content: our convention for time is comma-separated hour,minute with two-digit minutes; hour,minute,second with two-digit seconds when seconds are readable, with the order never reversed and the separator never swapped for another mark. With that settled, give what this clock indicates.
1,30,58
